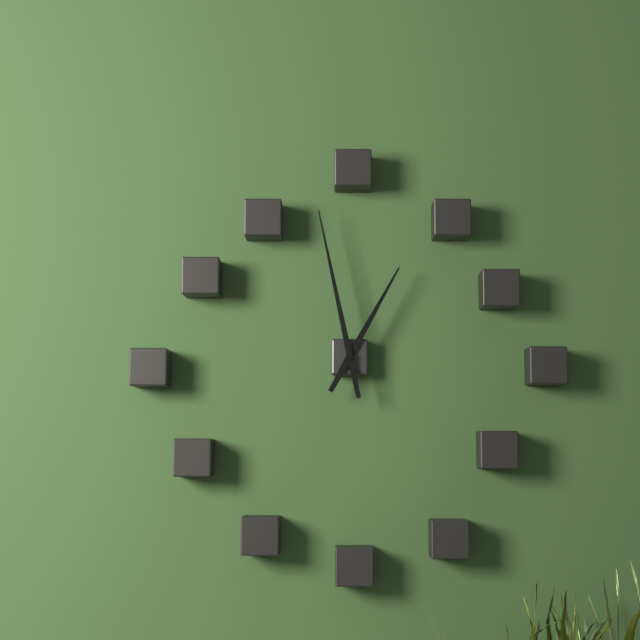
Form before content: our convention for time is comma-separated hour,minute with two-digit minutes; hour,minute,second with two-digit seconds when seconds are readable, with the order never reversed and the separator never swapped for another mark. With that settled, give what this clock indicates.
12,58
